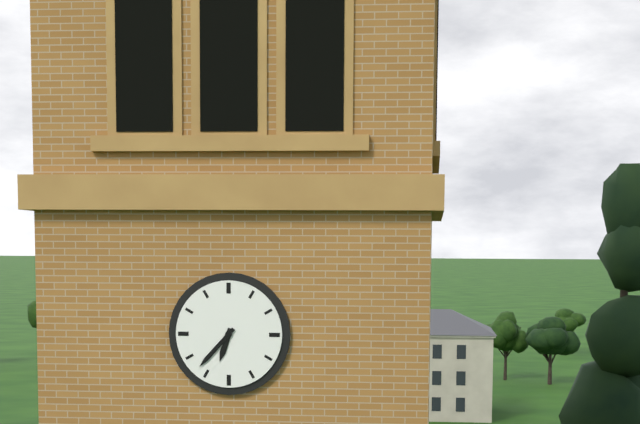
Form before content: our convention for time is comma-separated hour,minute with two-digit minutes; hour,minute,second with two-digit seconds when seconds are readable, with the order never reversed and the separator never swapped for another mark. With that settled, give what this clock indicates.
6,37
